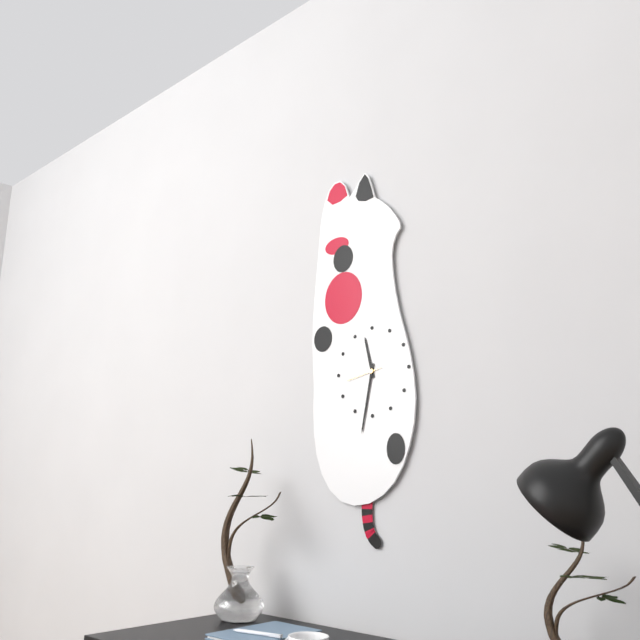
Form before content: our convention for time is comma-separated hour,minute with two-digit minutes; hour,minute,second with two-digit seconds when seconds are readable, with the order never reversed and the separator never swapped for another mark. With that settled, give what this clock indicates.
11,32
